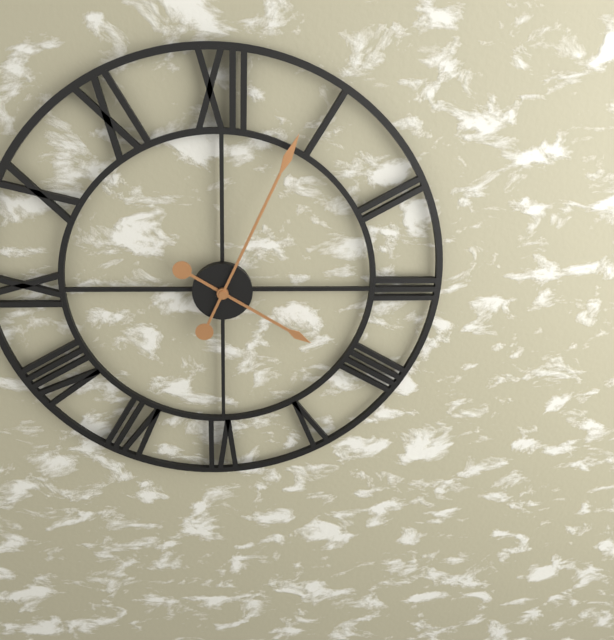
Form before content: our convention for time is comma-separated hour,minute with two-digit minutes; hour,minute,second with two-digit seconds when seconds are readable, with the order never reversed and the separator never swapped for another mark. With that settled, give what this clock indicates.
4,04
